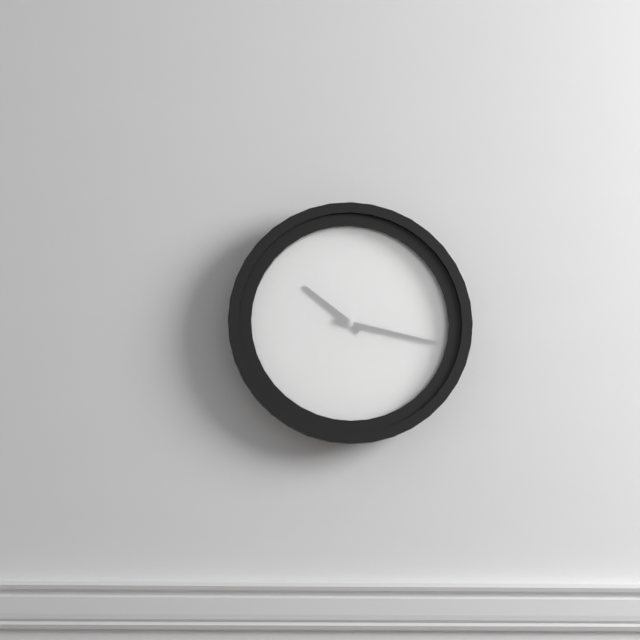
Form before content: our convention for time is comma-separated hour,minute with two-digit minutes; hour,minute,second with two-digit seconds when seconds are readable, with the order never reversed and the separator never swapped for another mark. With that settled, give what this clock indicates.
10,17
